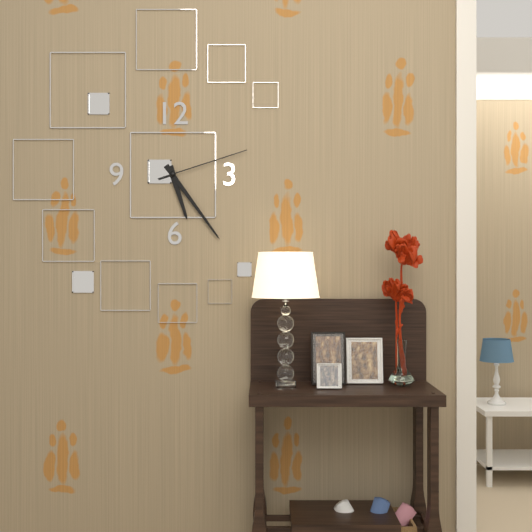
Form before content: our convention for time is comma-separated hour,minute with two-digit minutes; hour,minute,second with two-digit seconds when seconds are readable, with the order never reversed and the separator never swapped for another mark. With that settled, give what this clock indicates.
5,24,12
